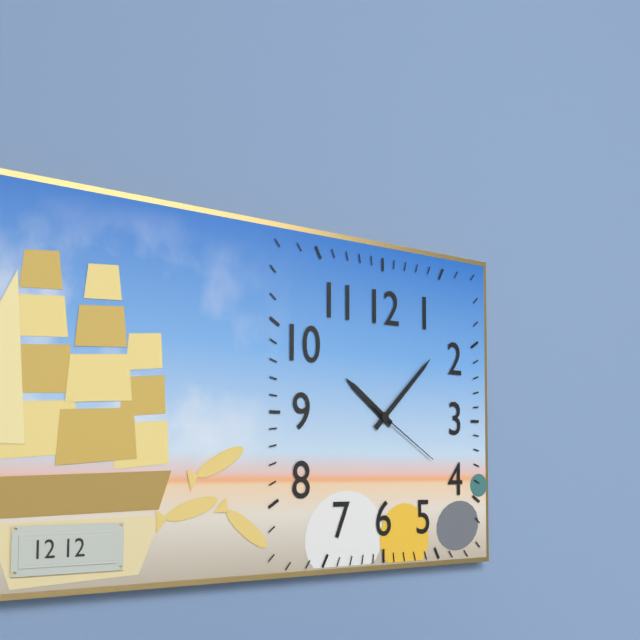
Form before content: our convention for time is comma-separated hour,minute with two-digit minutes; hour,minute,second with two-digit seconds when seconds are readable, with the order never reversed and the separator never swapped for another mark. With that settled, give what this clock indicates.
10,08,20
